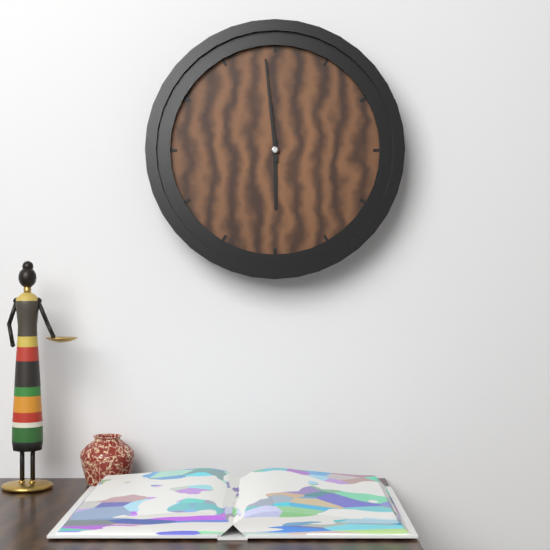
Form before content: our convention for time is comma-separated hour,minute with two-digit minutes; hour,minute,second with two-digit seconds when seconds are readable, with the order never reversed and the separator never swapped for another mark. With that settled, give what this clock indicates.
5,59
